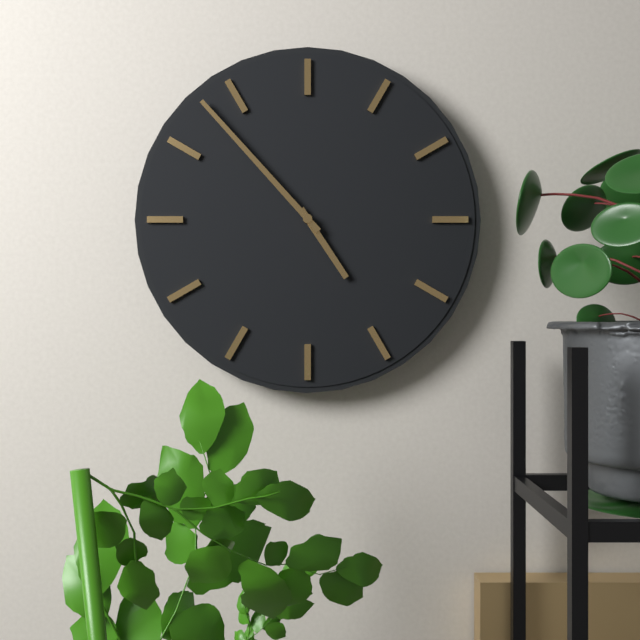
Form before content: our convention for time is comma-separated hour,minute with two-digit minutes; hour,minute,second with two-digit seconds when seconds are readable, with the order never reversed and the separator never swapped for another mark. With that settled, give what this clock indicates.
4,53
